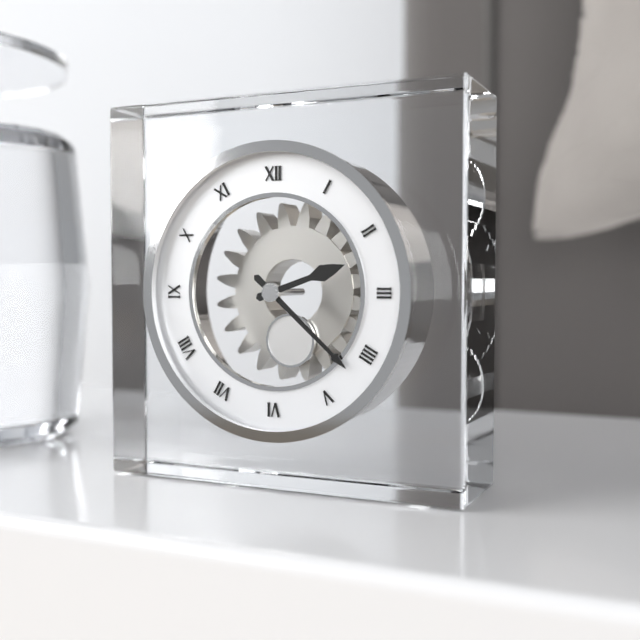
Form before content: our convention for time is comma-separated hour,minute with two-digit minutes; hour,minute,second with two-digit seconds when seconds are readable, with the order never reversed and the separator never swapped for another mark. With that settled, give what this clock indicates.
2,22
